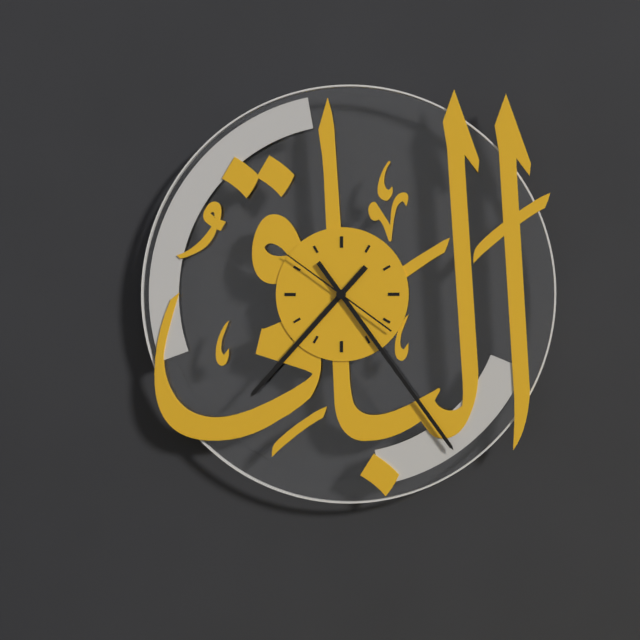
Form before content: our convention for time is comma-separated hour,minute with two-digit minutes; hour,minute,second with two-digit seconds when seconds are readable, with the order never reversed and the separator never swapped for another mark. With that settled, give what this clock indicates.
7,24,51
